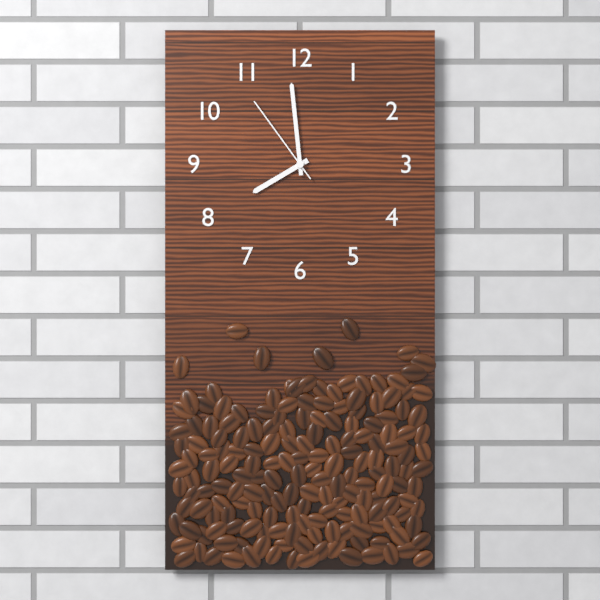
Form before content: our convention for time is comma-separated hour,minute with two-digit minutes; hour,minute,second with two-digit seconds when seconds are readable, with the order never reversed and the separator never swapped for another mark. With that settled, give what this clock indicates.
7,59,54
